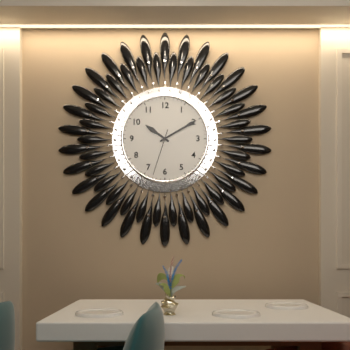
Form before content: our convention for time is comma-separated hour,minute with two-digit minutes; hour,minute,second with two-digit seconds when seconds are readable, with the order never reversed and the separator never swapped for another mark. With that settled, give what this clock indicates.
10,10
